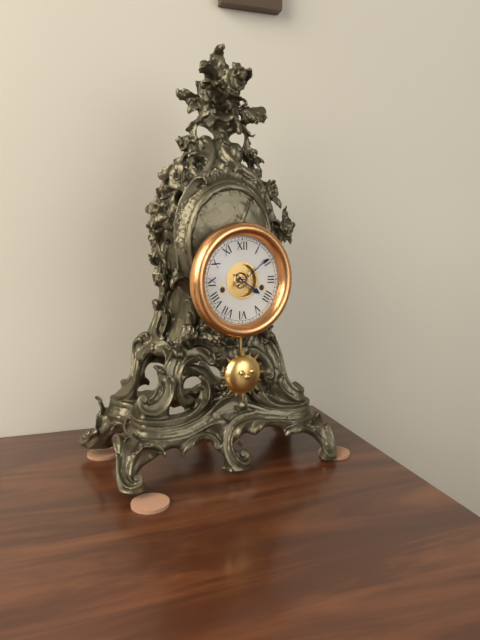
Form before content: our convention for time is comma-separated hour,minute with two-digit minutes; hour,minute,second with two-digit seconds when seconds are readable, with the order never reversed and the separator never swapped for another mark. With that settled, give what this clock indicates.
4,09
